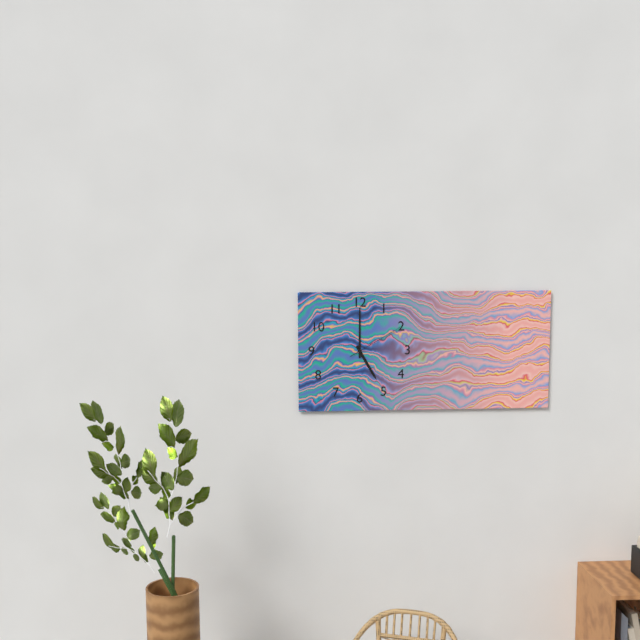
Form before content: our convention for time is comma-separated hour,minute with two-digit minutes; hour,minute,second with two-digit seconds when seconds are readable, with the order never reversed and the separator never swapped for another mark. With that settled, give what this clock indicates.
5,00,10
